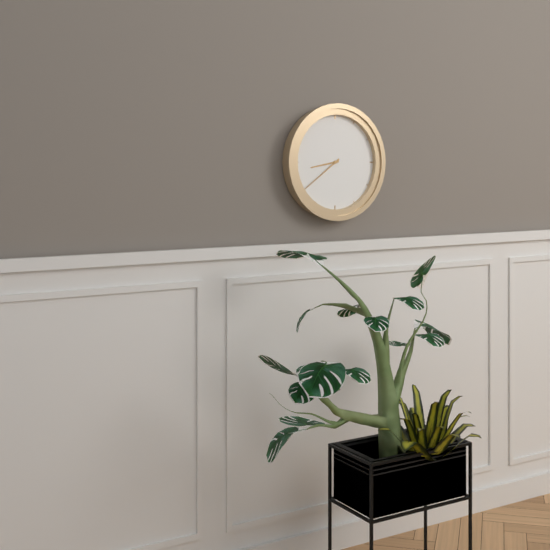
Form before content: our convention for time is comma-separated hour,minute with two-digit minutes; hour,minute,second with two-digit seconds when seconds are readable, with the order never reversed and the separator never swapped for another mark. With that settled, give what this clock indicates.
8,39
